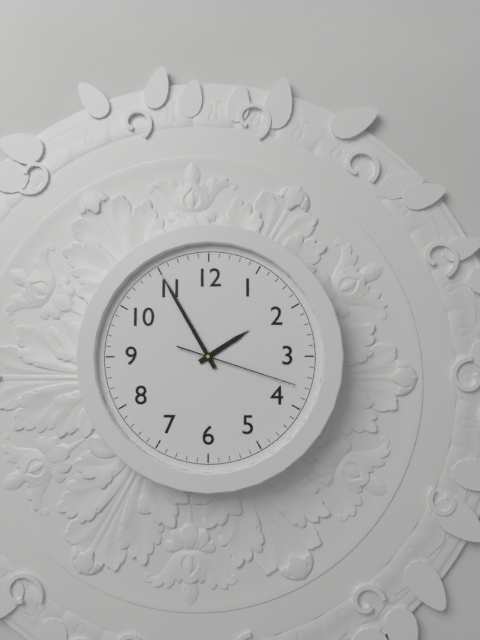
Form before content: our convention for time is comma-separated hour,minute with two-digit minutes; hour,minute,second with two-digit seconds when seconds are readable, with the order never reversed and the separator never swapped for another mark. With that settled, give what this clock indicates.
1,55,18
